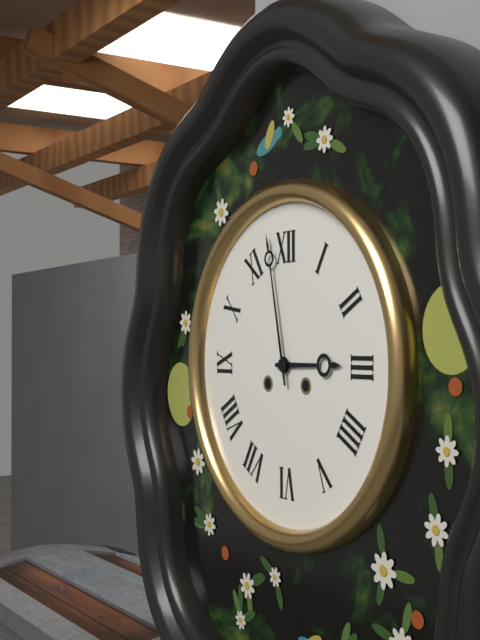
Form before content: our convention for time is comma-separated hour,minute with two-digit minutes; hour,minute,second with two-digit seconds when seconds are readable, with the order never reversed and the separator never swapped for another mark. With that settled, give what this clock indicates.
2,58
